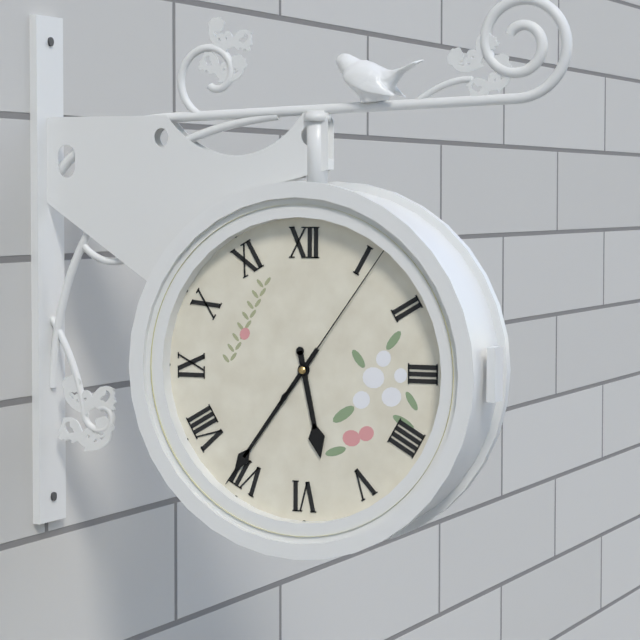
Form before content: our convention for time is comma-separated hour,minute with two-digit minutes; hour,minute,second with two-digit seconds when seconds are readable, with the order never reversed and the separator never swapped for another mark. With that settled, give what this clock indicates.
5,36,06
